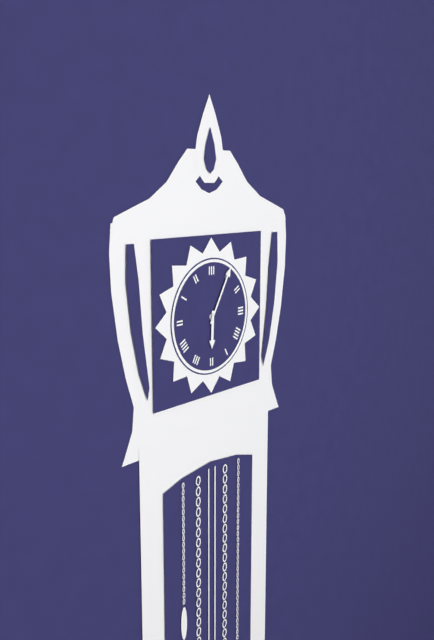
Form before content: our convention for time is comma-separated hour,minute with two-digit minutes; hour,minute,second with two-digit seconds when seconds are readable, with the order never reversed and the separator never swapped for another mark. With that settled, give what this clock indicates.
6,05
